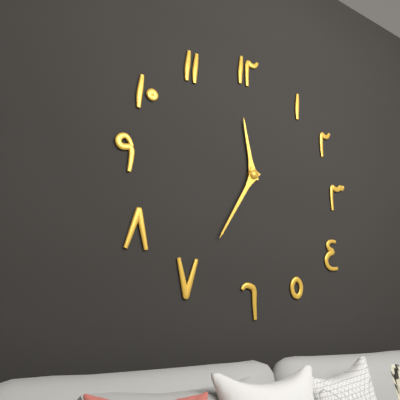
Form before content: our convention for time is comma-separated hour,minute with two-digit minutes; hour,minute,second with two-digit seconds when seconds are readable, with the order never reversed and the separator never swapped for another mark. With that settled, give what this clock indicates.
11,35
